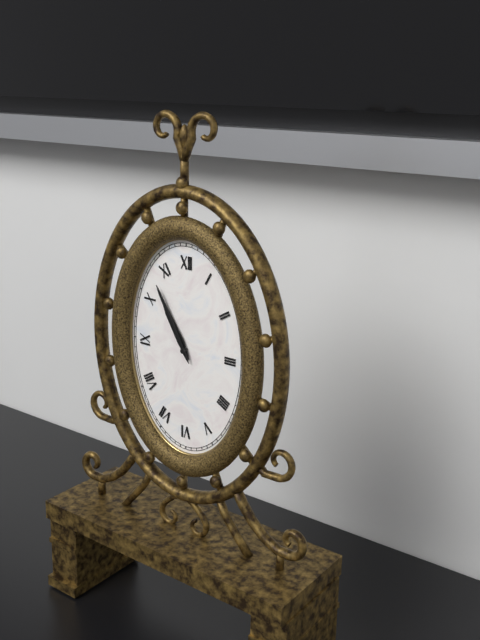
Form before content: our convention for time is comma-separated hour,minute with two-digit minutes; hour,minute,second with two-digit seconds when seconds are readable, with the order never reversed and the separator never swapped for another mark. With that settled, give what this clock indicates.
10,55
